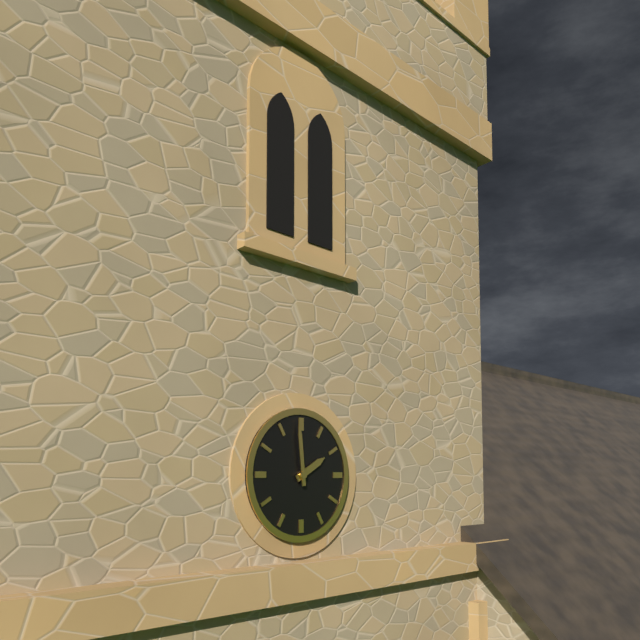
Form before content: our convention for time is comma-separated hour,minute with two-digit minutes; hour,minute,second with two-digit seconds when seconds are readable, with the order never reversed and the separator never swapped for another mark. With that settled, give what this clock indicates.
1,59
